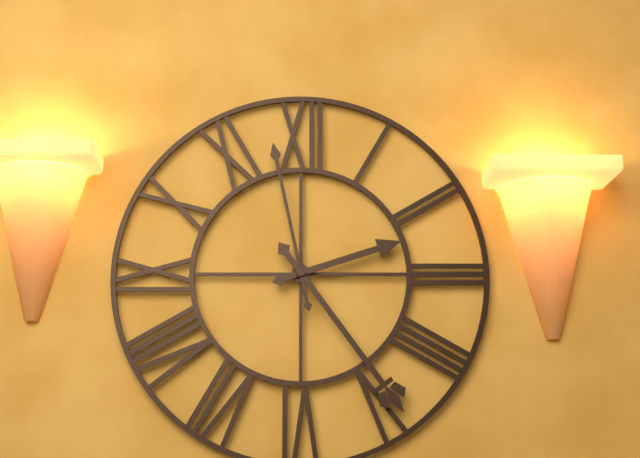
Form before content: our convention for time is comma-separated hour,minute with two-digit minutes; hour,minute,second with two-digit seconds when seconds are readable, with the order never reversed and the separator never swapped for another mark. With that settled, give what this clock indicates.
2,24,58
